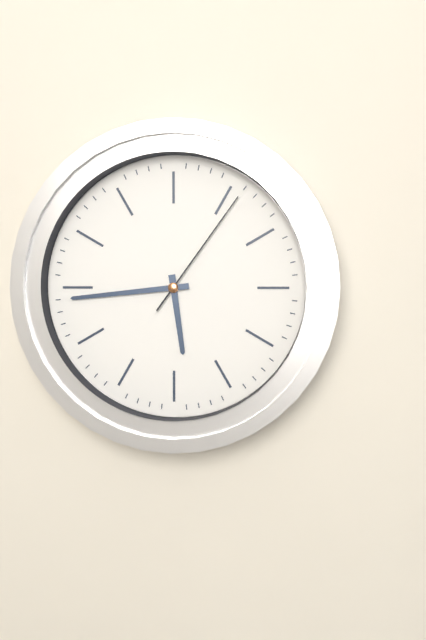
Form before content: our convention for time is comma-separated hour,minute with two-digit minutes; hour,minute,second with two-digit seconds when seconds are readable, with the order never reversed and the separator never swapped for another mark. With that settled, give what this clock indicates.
5,44,06
